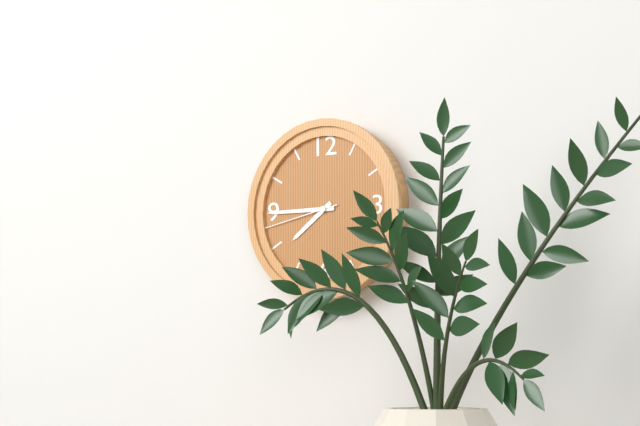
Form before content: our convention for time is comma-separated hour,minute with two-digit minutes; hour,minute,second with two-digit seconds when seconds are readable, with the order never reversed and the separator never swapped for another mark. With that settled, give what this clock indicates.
7,45,43
